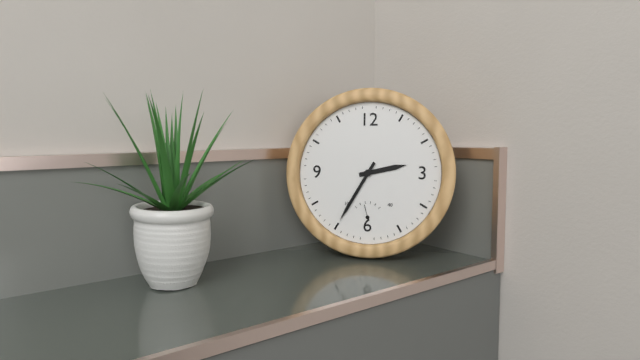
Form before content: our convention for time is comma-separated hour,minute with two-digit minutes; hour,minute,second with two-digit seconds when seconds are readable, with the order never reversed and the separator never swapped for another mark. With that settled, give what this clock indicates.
2,35
